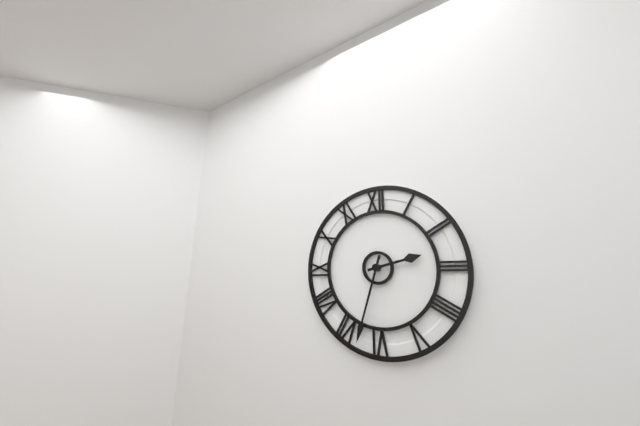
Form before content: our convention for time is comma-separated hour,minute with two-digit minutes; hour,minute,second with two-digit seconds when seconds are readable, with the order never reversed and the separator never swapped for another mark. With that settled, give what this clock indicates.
2,33
